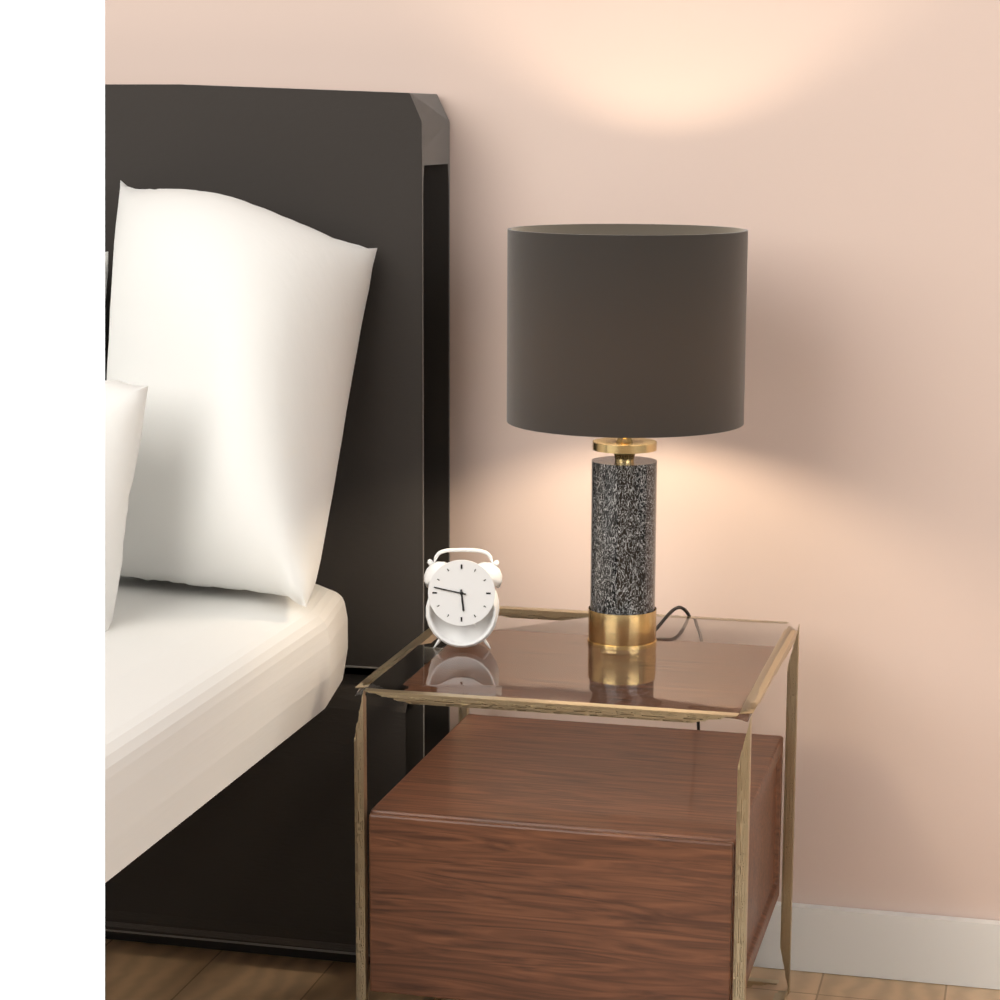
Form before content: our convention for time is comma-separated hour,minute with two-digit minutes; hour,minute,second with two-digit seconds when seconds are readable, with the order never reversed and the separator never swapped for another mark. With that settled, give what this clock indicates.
5,47
